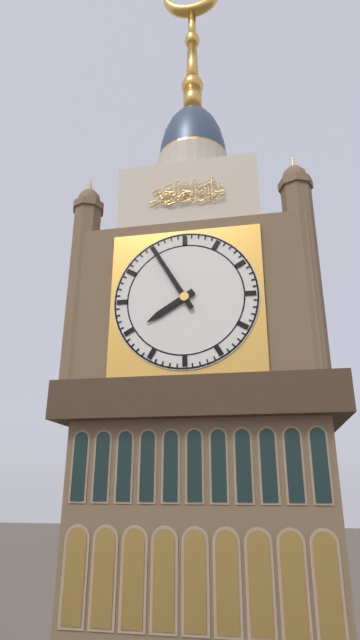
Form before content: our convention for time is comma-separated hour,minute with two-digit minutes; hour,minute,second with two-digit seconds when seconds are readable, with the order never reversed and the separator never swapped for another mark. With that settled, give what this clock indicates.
7,55
